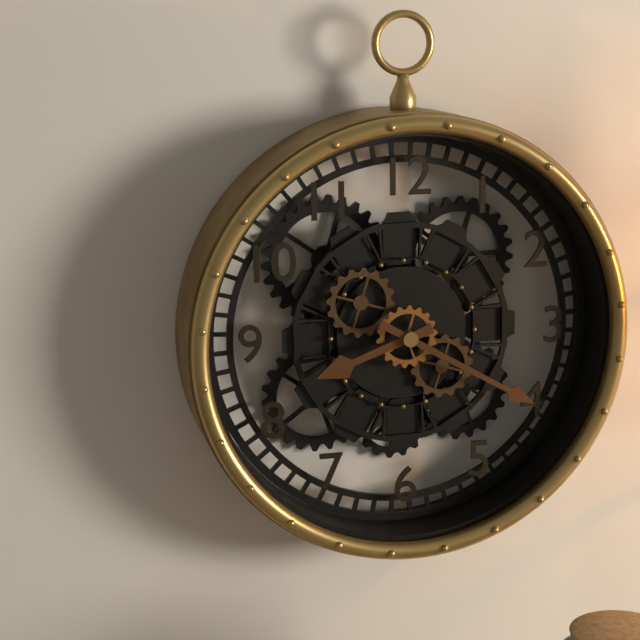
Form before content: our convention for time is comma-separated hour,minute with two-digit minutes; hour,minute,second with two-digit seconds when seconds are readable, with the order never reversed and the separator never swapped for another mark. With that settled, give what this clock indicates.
8,20
